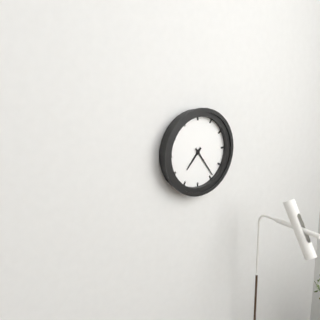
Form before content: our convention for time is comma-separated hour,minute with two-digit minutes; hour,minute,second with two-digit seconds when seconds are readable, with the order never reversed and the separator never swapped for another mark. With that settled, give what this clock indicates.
7,24
